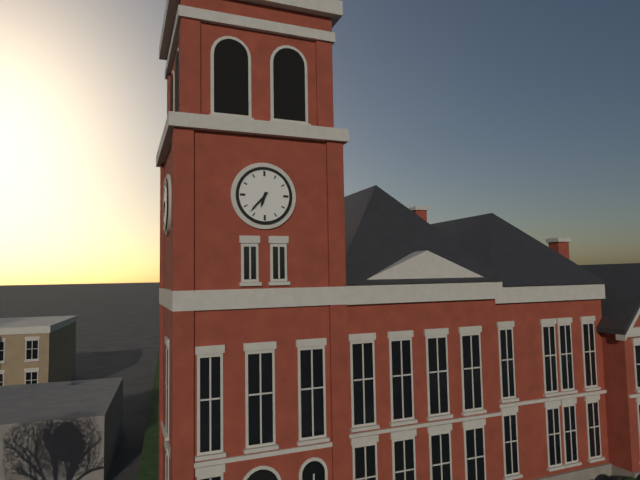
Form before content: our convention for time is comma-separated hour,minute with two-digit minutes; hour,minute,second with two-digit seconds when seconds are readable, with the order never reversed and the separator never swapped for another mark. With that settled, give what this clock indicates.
6,37
